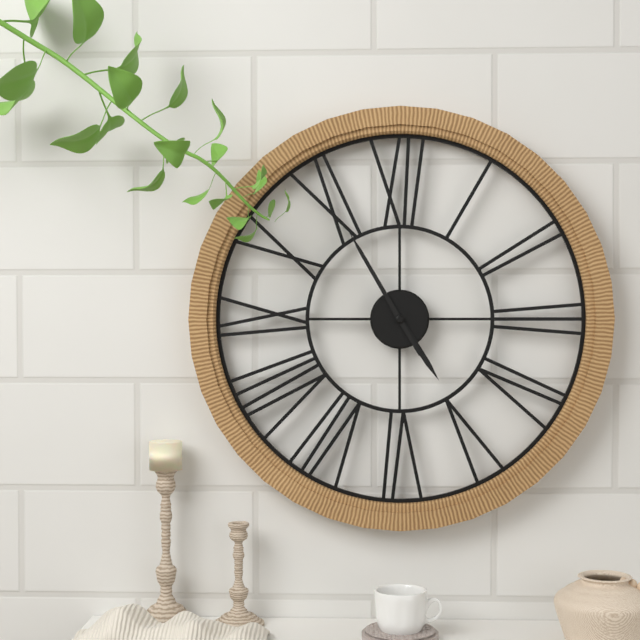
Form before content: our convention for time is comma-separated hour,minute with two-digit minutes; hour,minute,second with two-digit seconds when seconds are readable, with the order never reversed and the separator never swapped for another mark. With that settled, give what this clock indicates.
4,55
